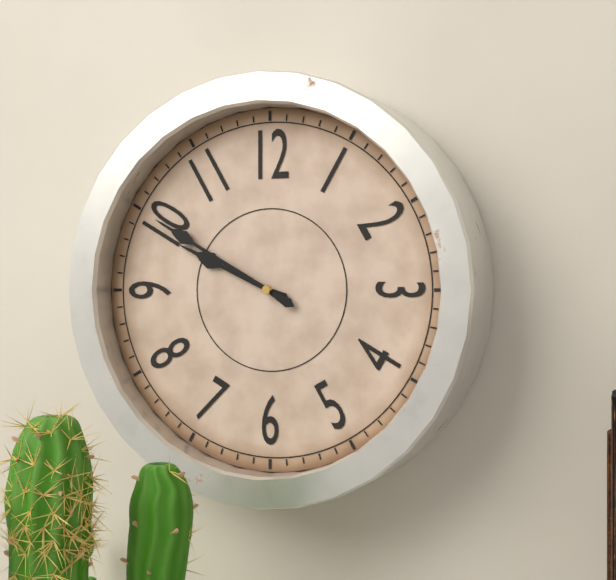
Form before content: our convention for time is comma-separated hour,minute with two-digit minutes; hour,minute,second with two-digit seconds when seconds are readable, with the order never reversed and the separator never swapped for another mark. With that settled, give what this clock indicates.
9,50
